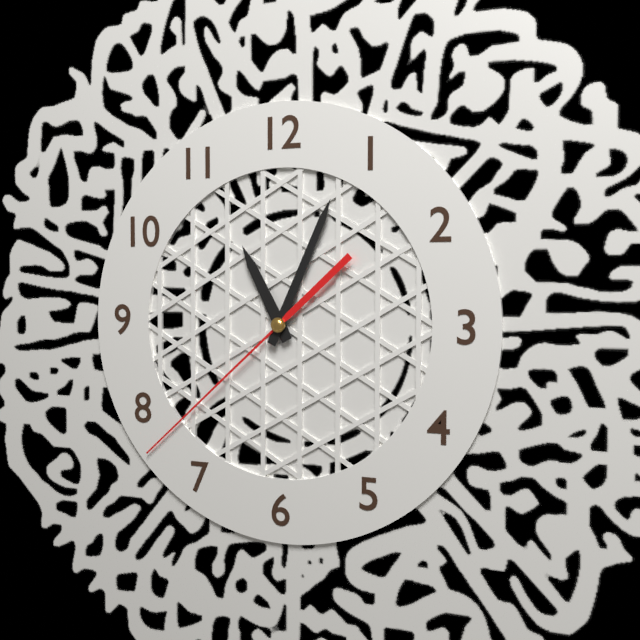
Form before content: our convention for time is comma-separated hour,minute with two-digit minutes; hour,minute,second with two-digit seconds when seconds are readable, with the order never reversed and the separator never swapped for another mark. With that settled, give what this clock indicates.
11,04,38
